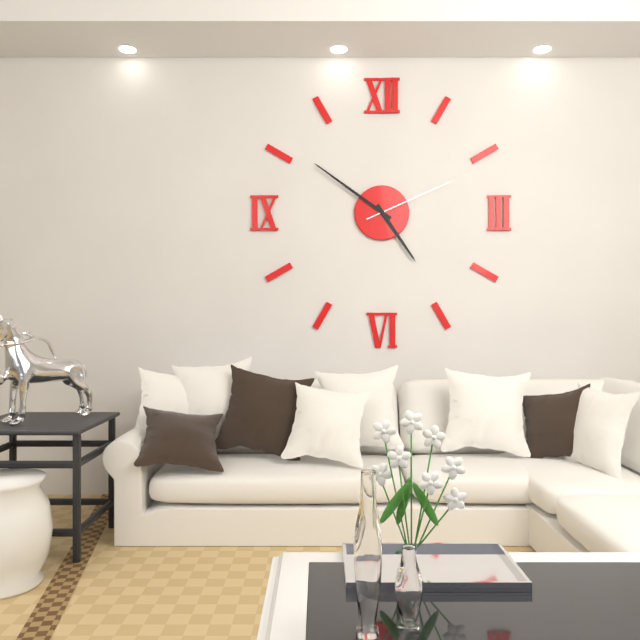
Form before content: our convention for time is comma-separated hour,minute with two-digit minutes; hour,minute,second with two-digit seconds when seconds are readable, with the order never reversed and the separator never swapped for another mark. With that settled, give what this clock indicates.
4,51,11
